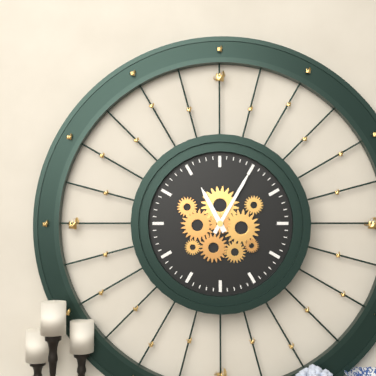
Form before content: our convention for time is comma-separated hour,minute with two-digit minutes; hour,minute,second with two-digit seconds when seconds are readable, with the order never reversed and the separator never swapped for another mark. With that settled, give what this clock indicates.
11,05
